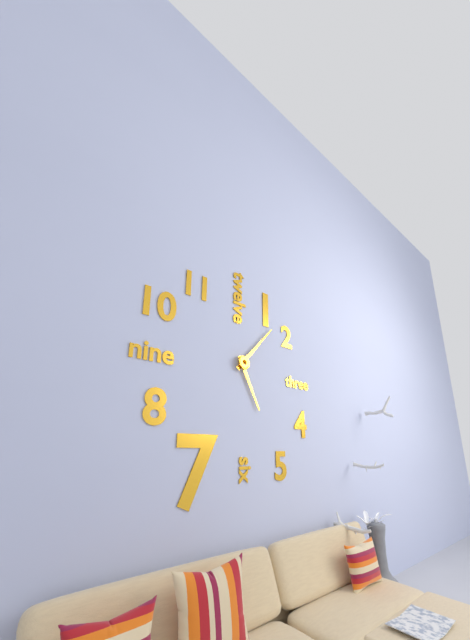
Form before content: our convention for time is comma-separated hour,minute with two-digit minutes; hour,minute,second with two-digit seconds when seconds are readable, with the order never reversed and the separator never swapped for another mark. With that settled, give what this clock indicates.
5,07
